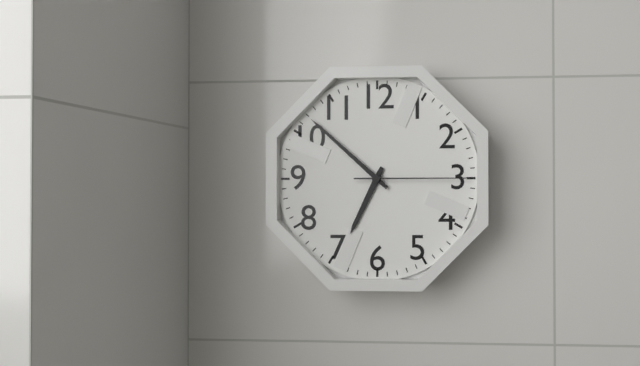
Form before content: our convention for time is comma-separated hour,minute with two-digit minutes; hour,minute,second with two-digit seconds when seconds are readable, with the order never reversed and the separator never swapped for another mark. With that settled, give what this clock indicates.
6,52,15
